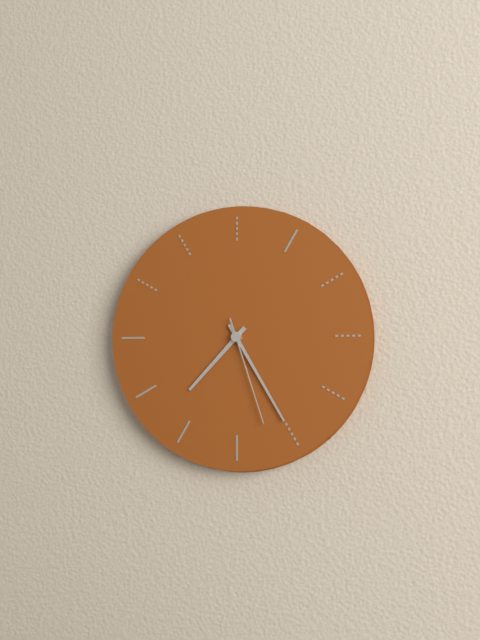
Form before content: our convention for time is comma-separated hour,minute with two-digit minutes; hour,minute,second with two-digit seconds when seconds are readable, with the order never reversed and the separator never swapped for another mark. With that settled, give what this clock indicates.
7,25,27
